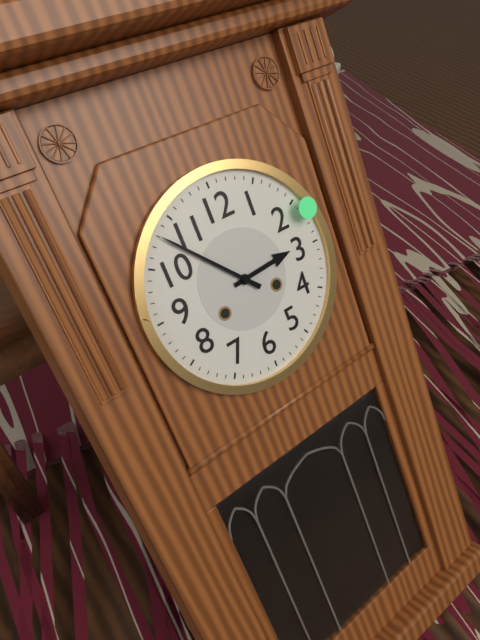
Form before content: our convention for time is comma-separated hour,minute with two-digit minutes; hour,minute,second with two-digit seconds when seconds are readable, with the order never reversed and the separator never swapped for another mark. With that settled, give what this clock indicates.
2,53
